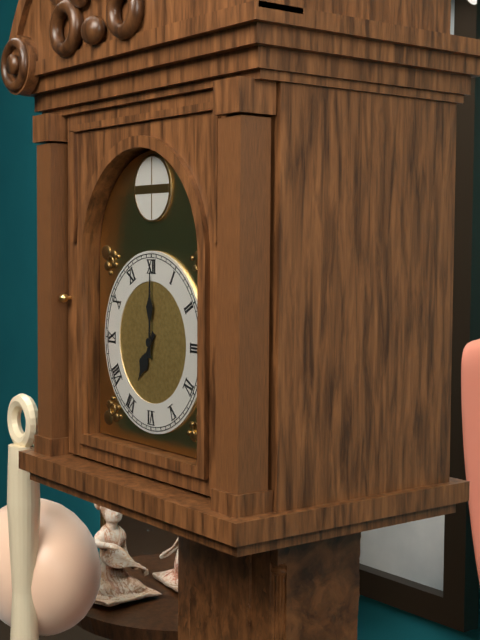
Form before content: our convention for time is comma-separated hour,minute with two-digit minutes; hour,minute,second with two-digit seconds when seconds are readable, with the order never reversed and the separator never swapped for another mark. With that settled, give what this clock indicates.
7,00
